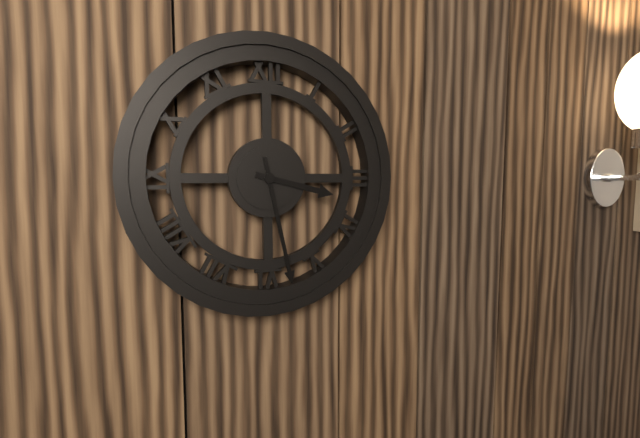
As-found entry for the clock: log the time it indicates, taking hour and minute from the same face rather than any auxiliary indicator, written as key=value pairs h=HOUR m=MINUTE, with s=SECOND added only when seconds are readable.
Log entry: h=3 m=28
